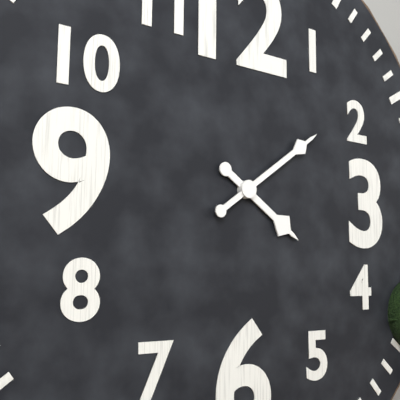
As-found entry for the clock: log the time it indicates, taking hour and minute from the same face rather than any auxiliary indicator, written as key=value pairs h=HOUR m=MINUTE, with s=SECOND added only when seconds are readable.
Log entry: h=4 m=9
